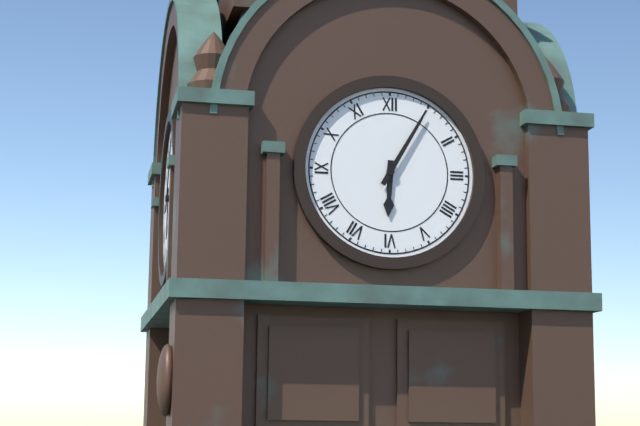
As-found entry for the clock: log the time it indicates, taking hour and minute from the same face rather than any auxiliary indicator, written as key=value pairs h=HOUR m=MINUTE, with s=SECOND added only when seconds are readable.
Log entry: h=6 m=5
